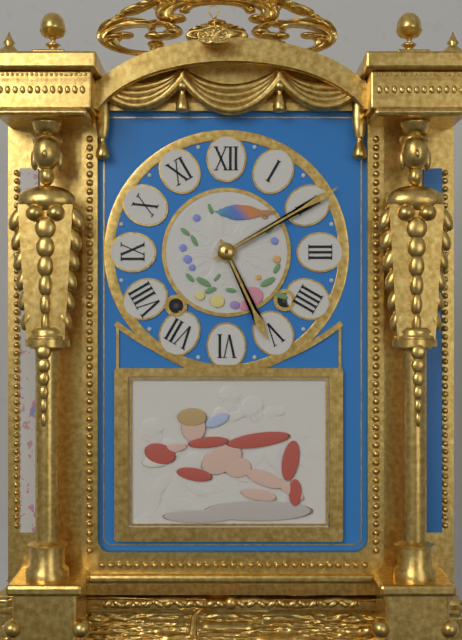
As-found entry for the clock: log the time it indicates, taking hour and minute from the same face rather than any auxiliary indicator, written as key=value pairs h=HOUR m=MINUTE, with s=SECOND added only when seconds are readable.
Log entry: h=5 m=10
